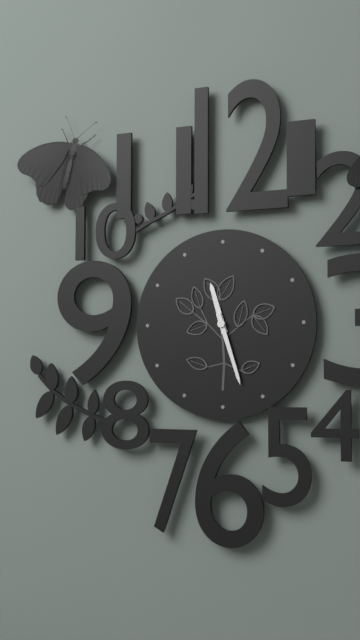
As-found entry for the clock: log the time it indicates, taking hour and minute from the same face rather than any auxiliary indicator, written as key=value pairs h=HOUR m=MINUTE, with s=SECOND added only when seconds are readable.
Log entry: h=11 m=27
